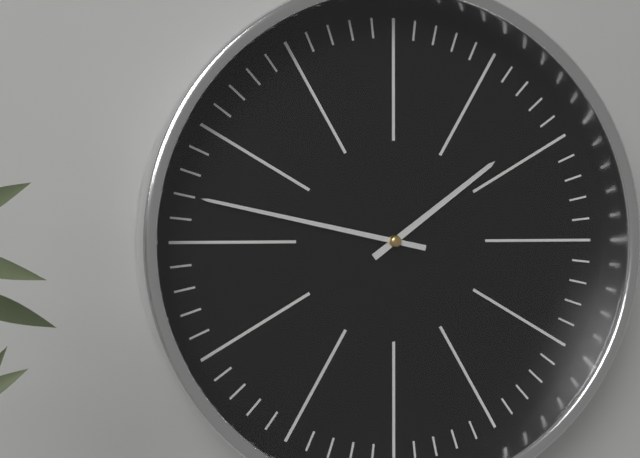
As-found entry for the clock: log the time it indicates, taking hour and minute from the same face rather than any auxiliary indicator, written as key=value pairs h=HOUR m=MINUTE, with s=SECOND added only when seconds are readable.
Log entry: h=1 m=47
